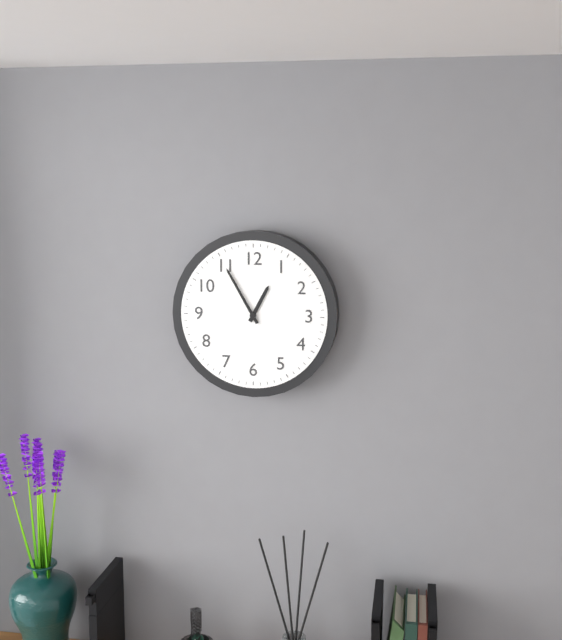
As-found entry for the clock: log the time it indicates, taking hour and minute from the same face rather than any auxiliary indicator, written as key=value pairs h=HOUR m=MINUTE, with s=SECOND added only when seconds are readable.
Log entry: h=12 m=55
